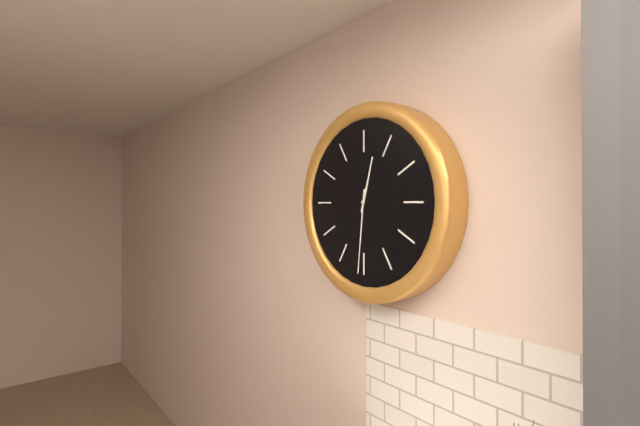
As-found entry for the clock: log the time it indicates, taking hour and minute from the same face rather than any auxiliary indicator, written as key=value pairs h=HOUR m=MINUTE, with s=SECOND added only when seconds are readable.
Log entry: h=12 m=31
